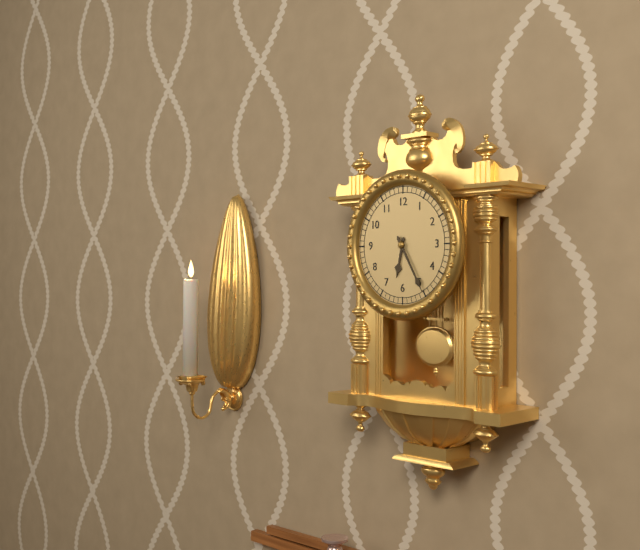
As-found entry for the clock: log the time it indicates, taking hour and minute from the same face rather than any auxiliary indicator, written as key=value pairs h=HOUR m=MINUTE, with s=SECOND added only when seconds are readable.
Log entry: h=6 m=25
